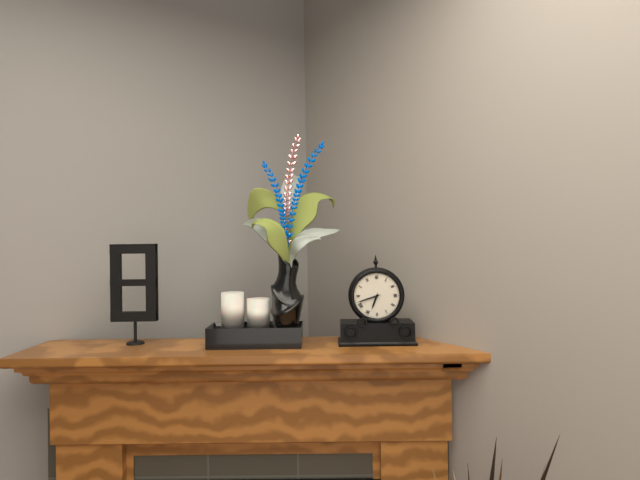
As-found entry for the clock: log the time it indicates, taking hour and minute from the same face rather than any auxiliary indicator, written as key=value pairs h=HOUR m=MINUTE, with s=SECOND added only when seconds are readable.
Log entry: h=6 m=42
